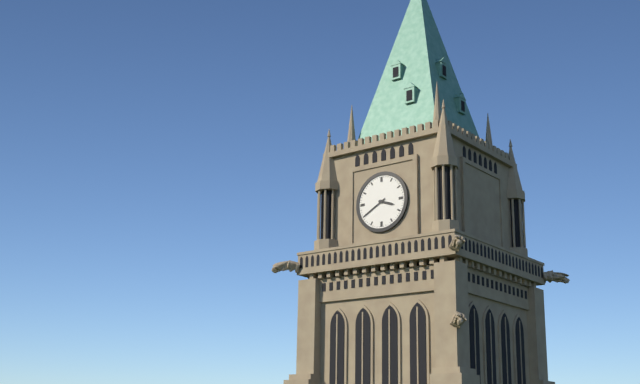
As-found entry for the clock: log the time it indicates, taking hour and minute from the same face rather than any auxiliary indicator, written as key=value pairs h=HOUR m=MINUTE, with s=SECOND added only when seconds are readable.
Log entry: h=3 m=40
